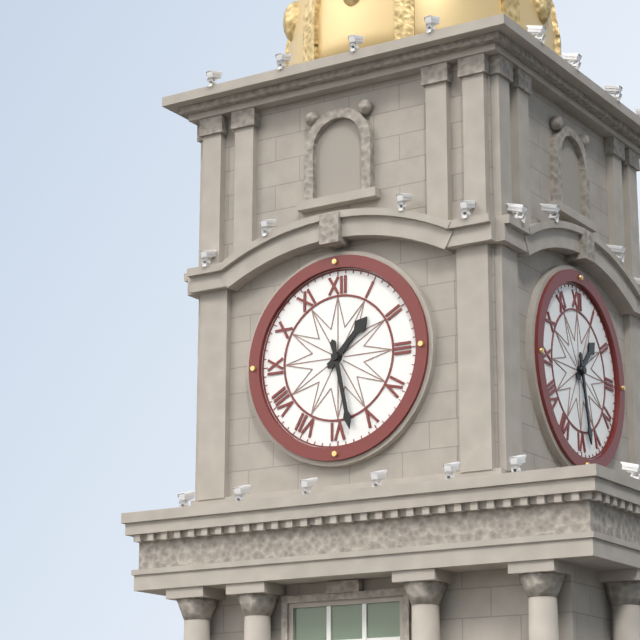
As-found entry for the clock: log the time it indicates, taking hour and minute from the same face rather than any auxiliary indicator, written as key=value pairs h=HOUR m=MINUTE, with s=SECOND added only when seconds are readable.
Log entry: h=1 m=28
